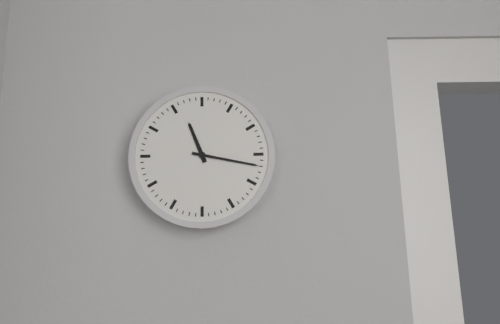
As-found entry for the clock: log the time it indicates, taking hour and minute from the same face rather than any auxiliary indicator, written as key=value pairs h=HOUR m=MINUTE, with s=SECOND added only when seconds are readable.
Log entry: h=11 m=17
